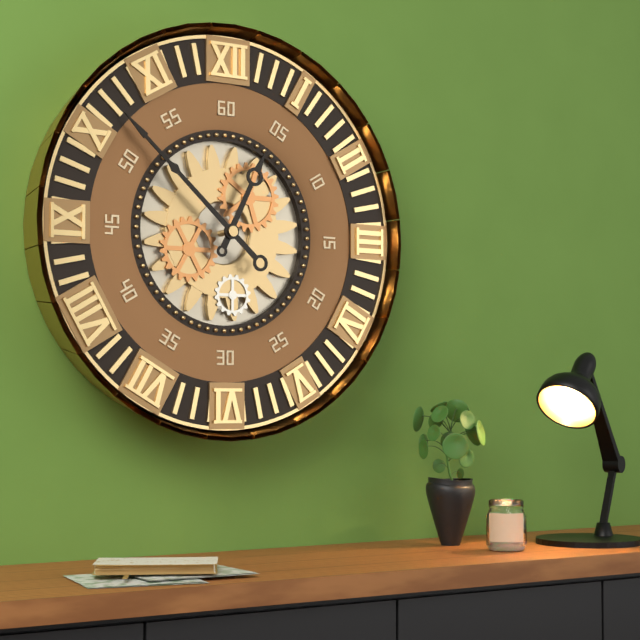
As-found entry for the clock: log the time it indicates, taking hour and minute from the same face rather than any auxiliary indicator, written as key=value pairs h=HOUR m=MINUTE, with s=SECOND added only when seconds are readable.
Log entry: h=12 m=52
